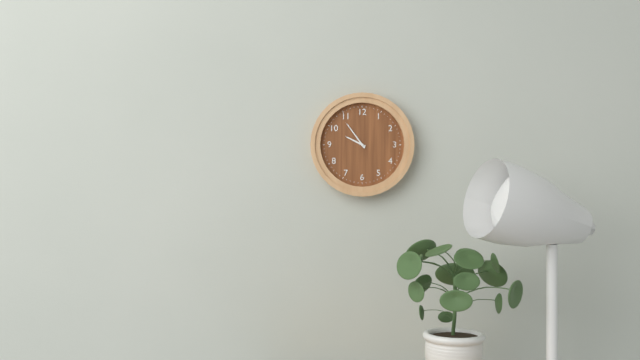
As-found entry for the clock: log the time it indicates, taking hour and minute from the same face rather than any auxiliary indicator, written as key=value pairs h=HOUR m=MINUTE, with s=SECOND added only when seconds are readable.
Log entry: h=9 m=54
